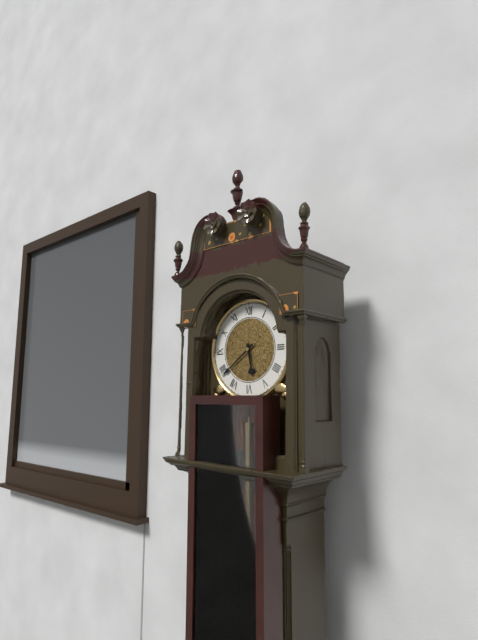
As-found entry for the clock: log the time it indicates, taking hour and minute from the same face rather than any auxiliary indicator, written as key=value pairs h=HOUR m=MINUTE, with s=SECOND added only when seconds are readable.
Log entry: h=5 m=39
